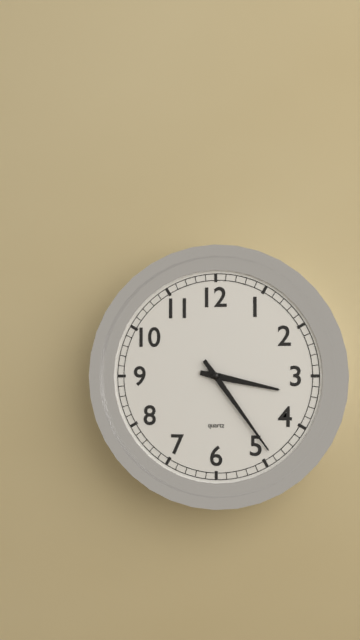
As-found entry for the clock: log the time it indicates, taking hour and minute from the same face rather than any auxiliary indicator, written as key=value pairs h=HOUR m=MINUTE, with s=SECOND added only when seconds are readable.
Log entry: h=3 m=24
